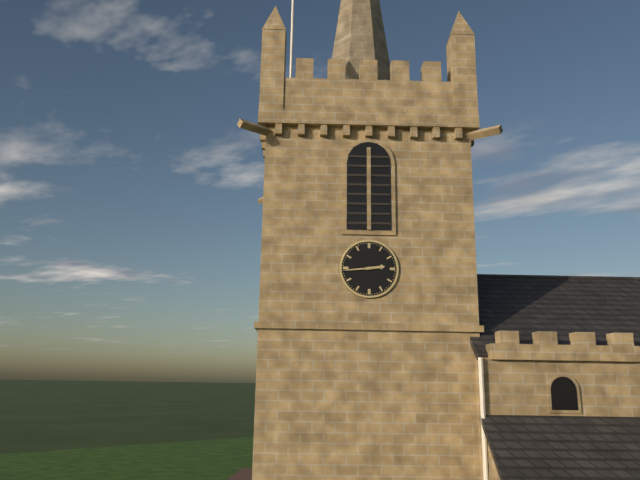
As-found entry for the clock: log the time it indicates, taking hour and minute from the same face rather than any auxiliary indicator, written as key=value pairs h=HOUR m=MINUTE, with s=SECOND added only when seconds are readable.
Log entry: h=2 m=44
